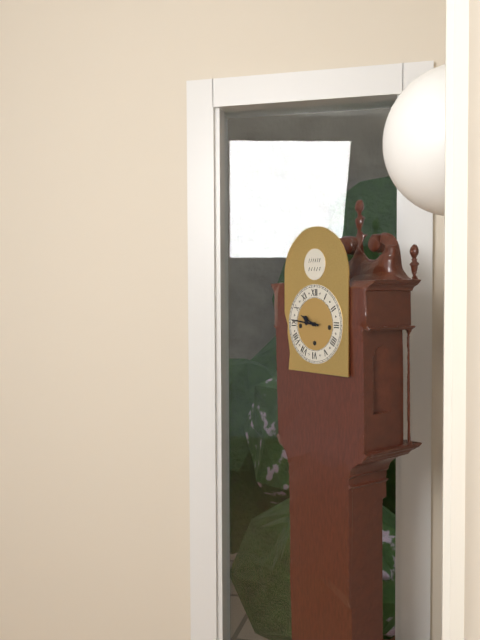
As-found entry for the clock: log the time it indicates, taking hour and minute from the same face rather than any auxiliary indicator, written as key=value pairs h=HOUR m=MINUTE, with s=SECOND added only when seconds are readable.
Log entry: h=9 m=46
